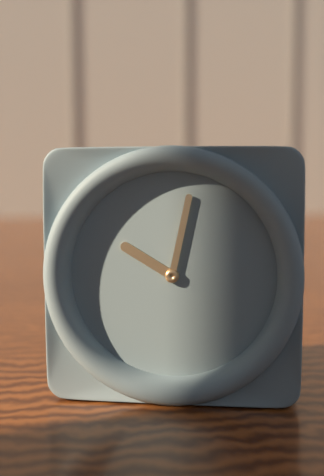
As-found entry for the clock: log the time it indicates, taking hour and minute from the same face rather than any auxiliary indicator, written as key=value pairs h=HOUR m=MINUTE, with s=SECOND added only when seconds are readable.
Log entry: h=10 m=2
